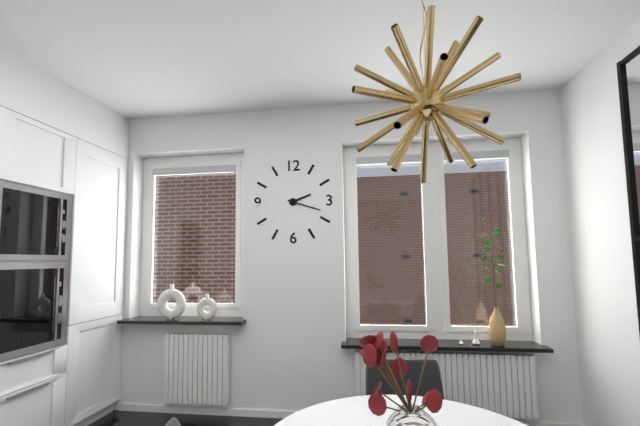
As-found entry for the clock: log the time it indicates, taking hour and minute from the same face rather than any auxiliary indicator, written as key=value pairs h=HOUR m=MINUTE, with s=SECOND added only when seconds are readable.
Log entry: h=2 m=18
